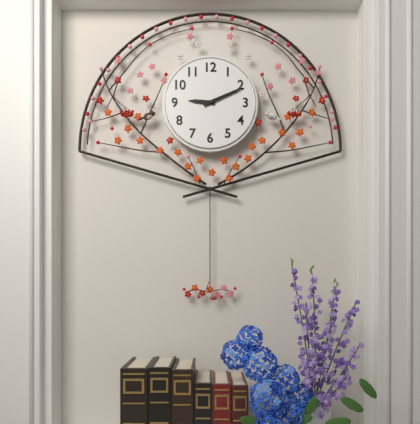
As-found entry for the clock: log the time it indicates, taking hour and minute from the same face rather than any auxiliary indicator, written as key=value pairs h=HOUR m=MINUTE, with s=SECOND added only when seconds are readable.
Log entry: h=9 m=11
